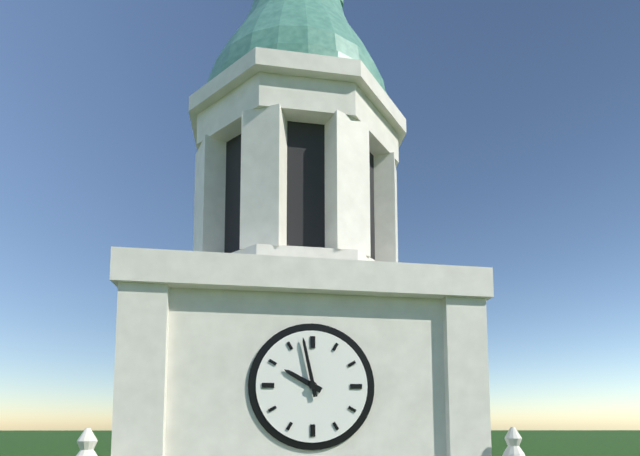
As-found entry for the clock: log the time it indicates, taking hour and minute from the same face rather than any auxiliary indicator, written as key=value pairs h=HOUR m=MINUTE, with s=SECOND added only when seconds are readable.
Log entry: h=9 m=58
